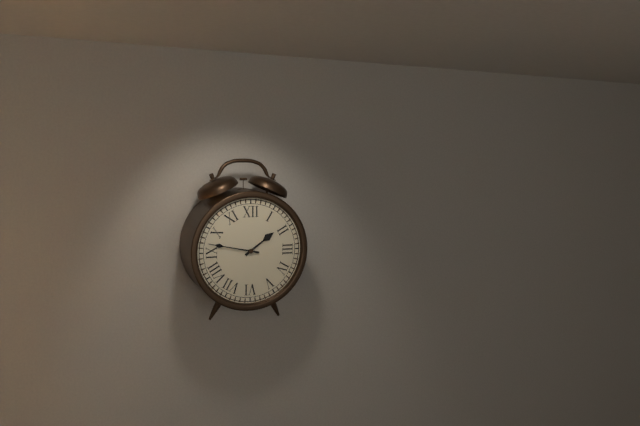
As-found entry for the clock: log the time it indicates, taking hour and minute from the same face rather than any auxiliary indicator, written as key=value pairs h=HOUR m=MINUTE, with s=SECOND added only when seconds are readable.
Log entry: h=1 m=47
